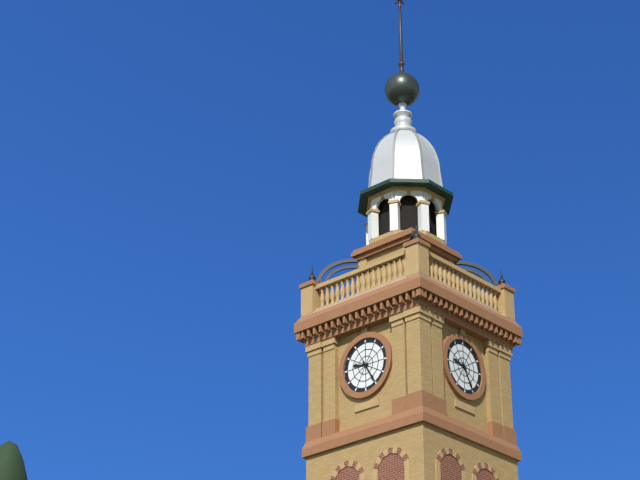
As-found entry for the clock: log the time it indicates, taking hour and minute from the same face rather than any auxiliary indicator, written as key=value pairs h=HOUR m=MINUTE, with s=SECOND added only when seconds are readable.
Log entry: h=9 m=25
